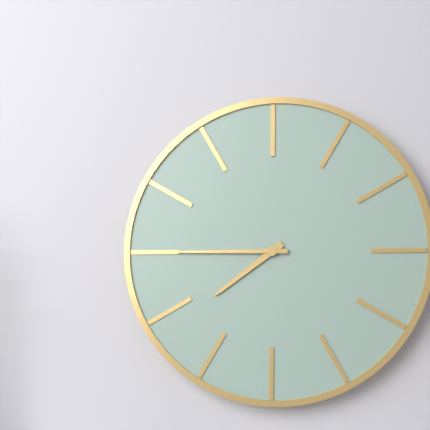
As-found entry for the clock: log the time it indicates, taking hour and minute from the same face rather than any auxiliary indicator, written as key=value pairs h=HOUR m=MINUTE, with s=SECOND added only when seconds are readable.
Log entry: h=7 m=45
